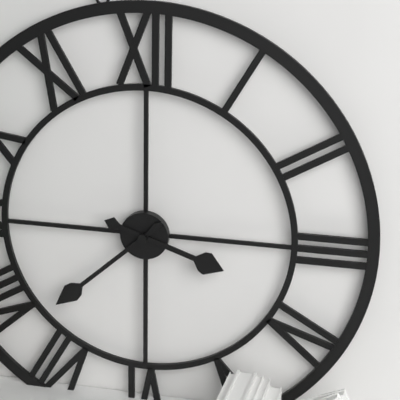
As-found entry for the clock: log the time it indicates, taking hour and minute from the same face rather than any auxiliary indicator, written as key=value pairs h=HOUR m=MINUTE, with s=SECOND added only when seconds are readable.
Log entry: h=3 m=38
